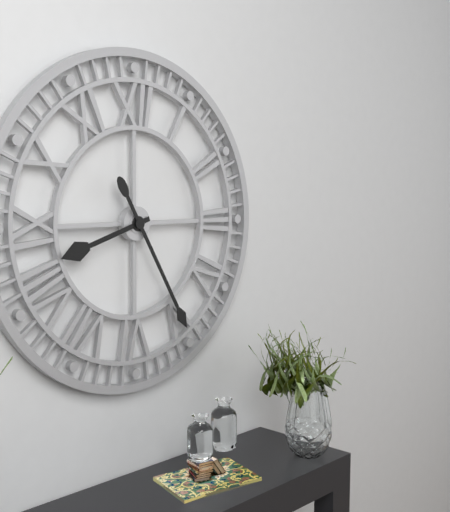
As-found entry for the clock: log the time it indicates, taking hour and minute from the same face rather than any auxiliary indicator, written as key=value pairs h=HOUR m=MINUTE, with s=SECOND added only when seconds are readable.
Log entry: h=8 m=25
